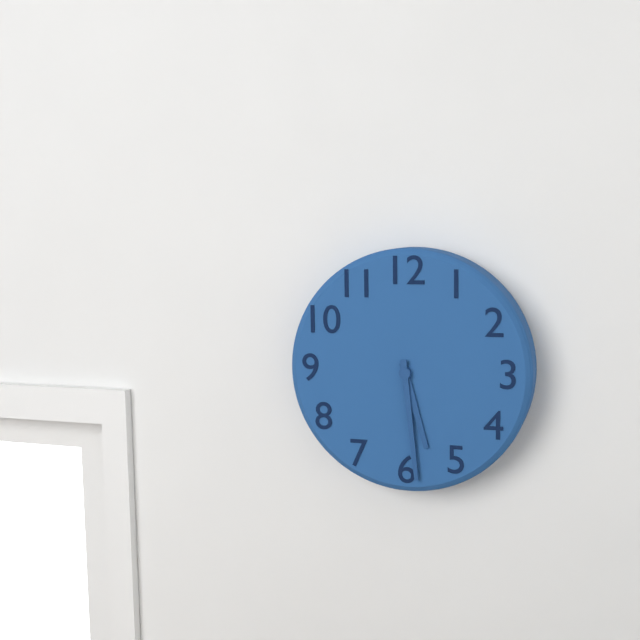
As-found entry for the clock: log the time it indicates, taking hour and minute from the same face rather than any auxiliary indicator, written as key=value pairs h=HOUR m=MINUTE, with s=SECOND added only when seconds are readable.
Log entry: h=5 m=29
